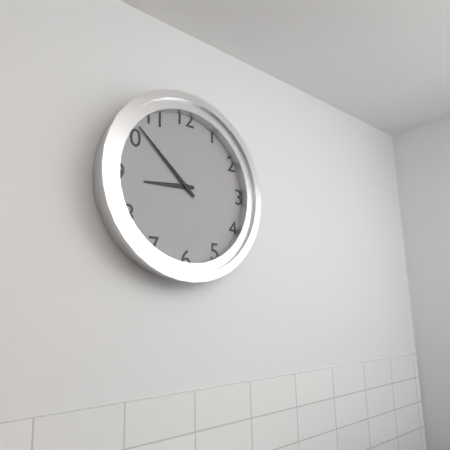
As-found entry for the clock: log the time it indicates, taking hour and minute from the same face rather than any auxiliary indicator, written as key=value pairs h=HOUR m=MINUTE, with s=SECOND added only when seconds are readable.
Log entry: h=8 m=52
